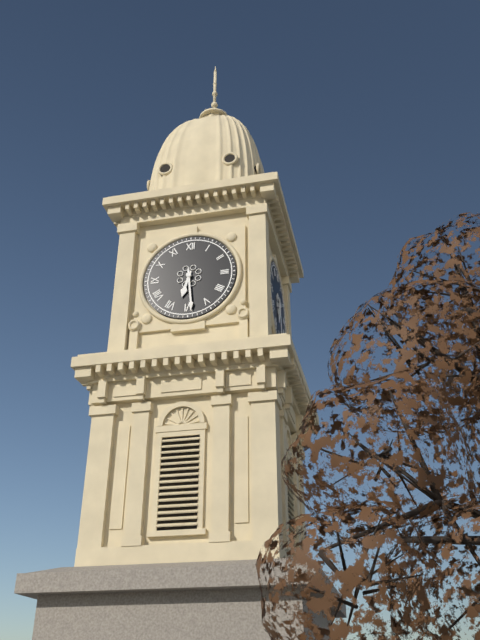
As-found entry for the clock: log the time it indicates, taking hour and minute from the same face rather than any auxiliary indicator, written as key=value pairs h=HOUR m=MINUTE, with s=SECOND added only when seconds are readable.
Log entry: h=6 m=29
